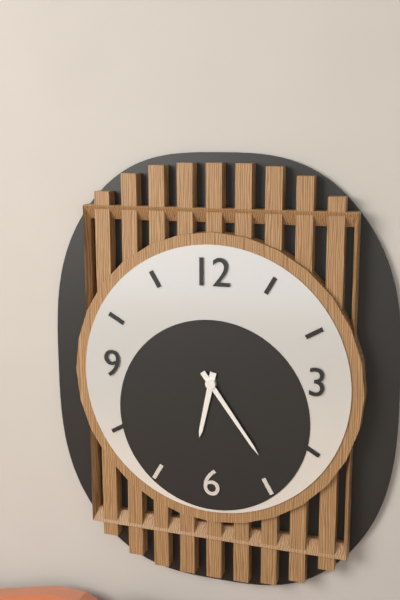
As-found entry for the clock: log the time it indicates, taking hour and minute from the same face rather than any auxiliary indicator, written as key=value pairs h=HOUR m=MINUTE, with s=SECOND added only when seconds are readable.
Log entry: h=6 m=24
